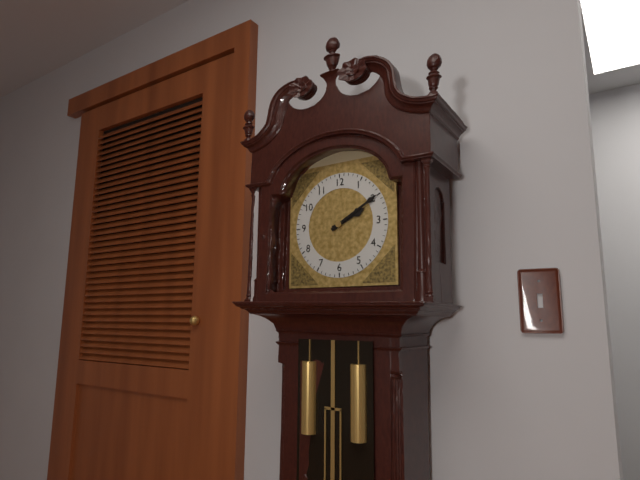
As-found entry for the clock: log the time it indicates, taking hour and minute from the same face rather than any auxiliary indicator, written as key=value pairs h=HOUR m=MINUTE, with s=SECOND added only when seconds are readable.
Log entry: h=2 m=10
